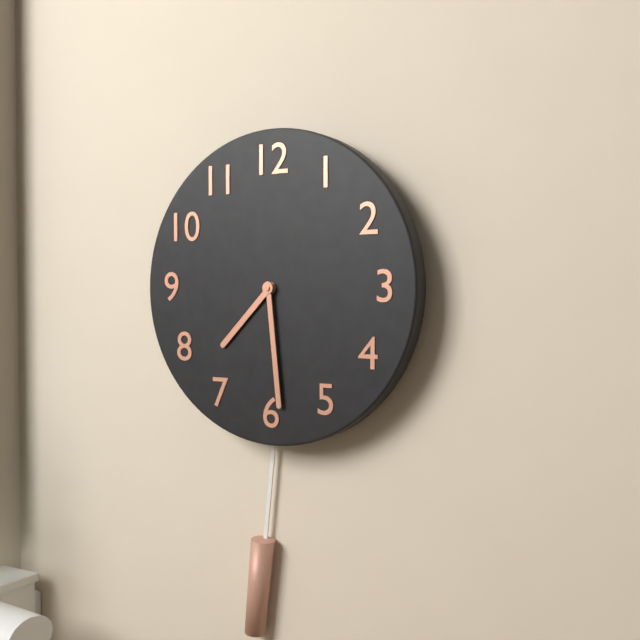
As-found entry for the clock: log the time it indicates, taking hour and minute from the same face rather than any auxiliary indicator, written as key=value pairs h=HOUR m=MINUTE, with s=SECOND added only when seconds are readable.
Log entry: h=7 m=29
